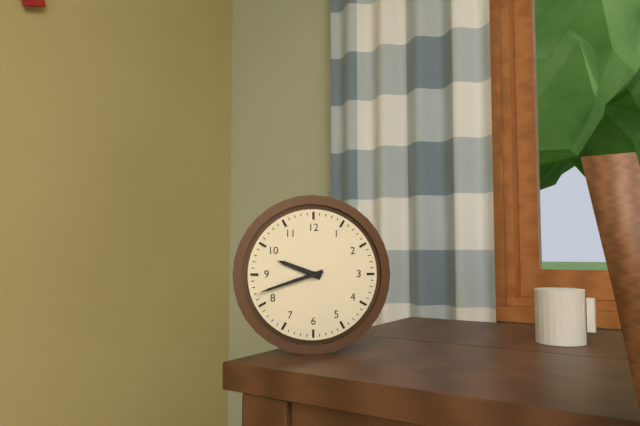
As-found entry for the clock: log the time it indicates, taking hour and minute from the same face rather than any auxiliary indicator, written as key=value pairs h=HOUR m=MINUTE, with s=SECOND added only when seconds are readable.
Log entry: h=9 m=42
